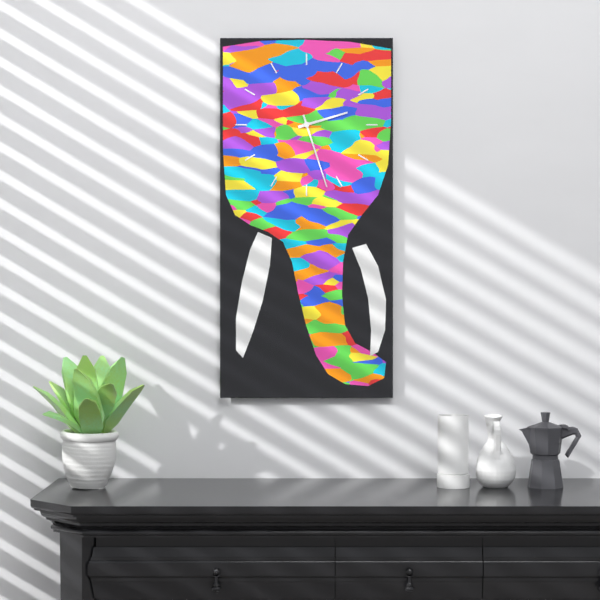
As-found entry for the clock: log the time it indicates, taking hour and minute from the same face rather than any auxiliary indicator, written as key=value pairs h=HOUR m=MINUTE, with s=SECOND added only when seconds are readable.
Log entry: h=2 m=27
